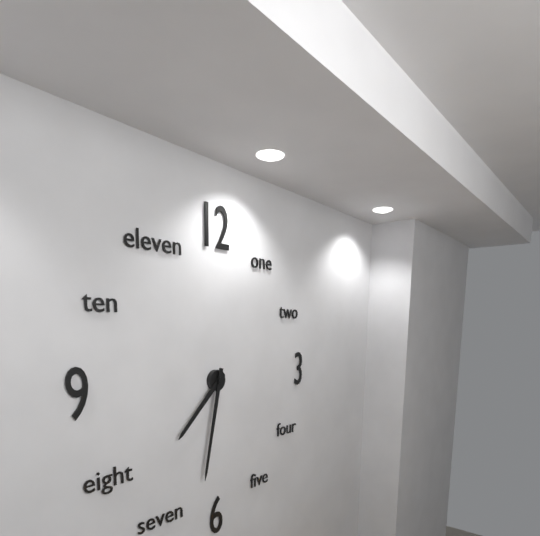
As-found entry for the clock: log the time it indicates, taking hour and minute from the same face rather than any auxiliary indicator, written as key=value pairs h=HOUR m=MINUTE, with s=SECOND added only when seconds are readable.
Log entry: h=7 m=32
